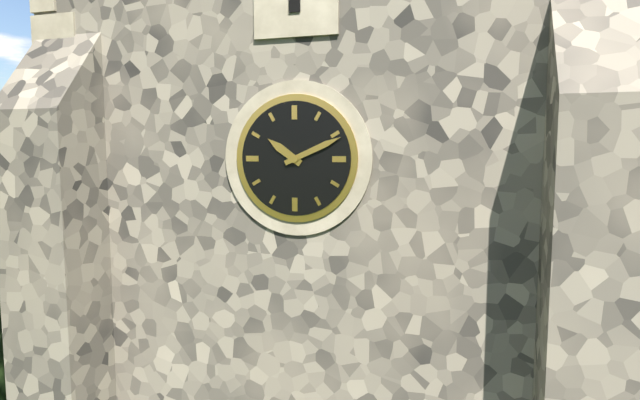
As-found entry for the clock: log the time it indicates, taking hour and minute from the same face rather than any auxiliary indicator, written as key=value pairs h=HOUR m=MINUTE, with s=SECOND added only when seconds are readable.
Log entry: h=10 m=11
